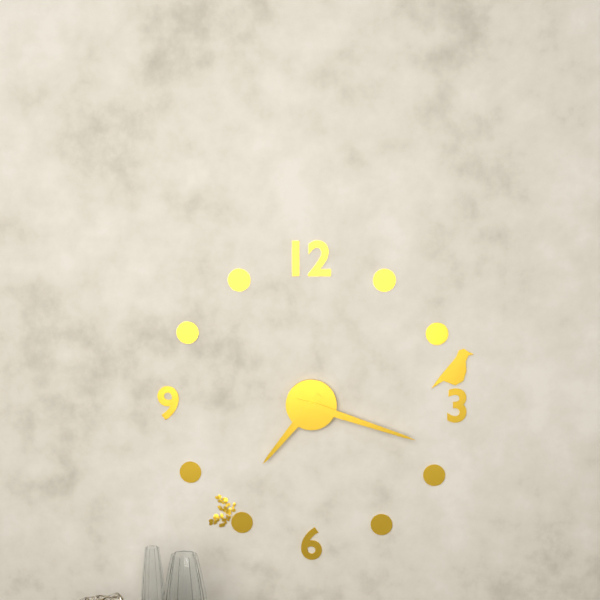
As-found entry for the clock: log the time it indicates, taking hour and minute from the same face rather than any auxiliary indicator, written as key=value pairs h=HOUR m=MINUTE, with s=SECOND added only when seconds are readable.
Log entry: h=7 m=18
